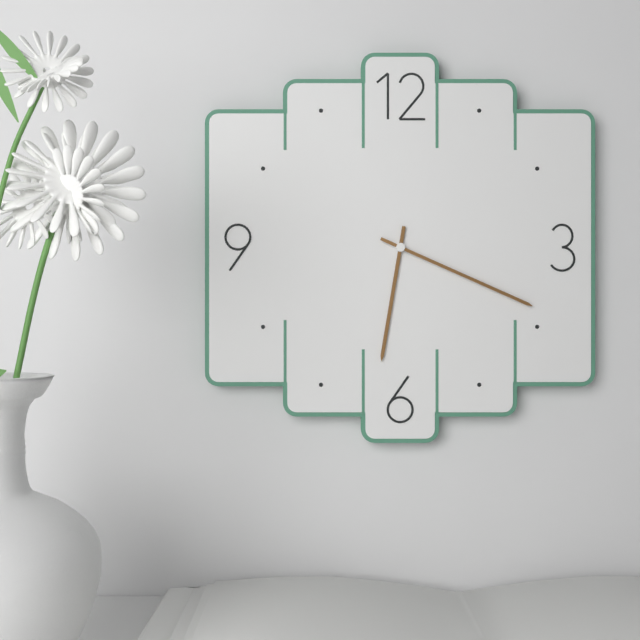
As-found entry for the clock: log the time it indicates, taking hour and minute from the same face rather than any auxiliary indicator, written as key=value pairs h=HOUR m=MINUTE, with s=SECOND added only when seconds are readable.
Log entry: h=6 m=19
